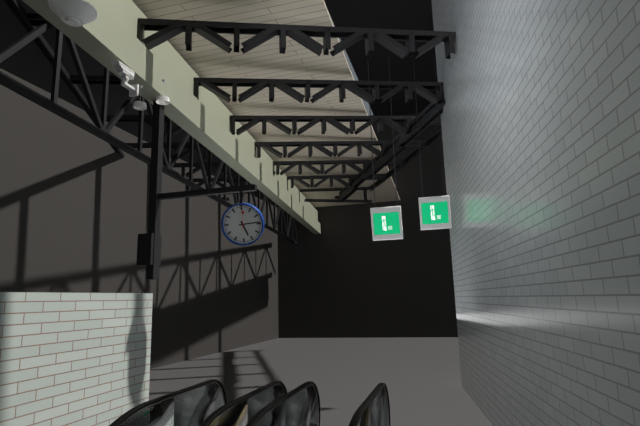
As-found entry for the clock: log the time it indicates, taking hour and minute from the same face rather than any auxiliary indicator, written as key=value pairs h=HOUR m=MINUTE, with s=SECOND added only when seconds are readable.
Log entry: h=5 m=14
